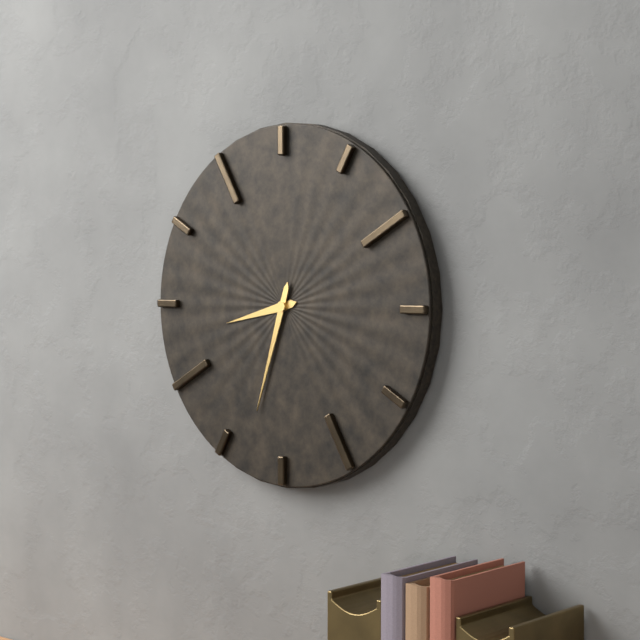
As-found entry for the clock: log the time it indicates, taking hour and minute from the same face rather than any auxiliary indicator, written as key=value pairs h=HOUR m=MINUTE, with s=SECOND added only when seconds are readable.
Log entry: h=8 m=33
